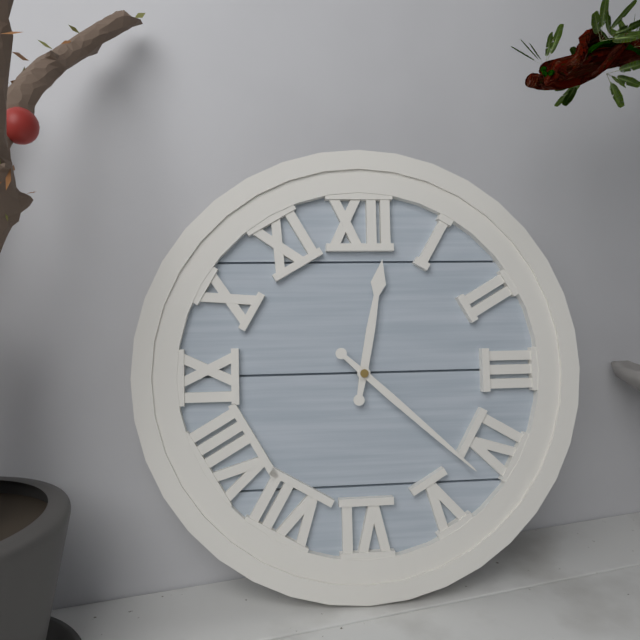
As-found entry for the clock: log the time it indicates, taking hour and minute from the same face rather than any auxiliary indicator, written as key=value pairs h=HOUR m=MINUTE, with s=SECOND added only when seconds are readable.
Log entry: h=12 m=22
